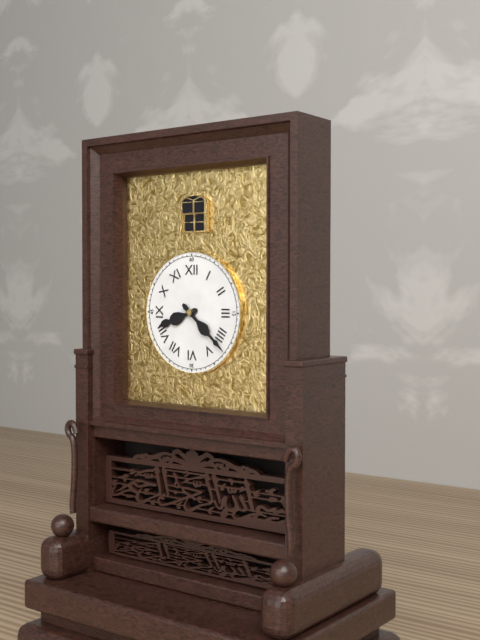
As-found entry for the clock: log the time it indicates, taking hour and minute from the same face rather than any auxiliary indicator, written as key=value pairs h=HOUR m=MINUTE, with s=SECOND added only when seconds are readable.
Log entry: h=8 m=22
